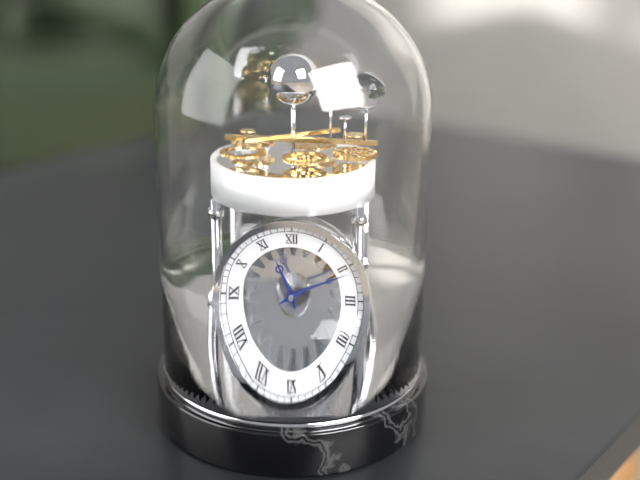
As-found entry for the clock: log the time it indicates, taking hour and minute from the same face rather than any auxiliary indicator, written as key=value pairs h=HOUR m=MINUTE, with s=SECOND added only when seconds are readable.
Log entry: h=11 m=11
